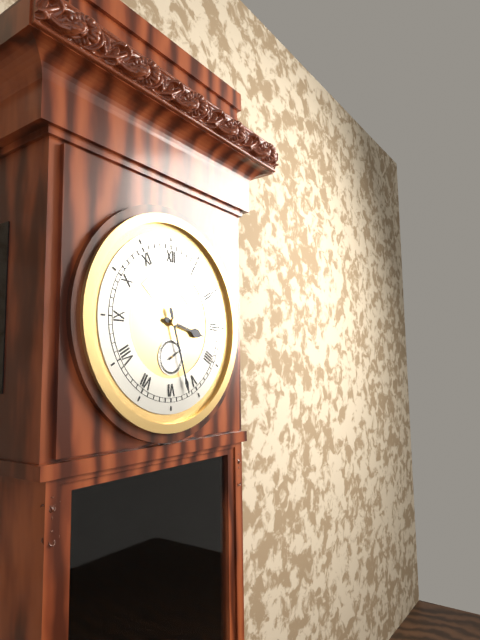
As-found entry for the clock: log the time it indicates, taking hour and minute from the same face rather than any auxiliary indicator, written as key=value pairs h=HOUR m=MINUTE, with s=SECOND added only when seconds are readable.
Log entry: h=3 m=27
